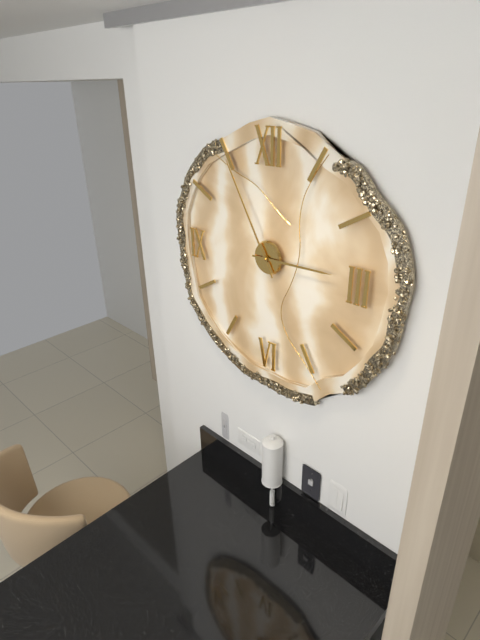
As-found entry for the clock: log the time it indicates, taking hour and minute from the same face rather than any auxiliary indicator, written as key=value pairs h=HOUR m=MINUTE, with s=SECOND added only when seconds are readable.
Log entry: h=2 m=55
